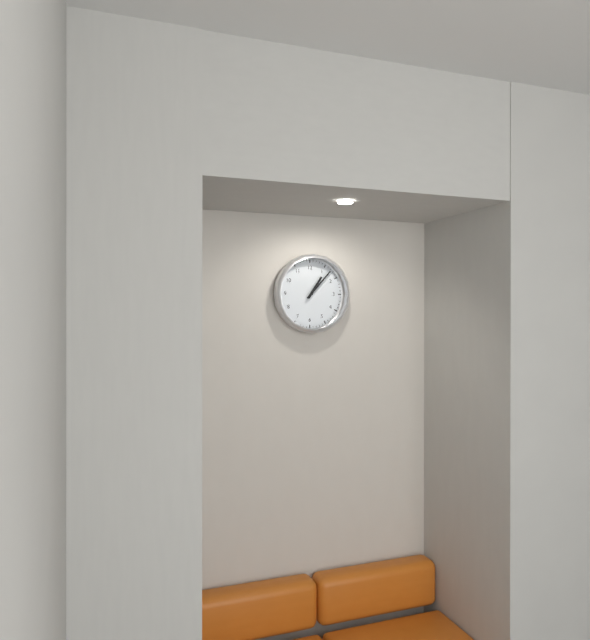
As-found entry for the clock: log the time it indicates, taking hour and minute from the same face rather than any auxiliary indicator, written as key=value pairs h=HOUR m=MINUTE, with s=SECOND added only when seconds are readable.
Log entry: h=1 m=7
